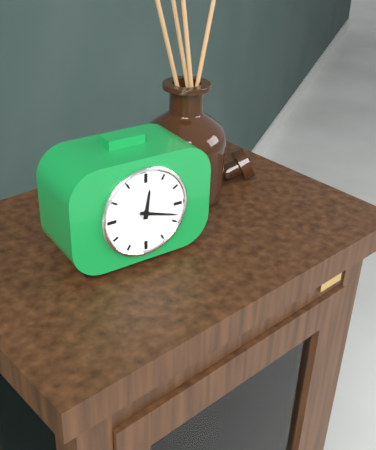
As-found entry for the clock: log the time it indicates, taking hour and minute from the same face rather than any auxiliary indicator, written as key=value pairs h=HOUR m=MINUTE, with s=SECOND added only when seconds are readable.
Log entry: h=12 m=18
